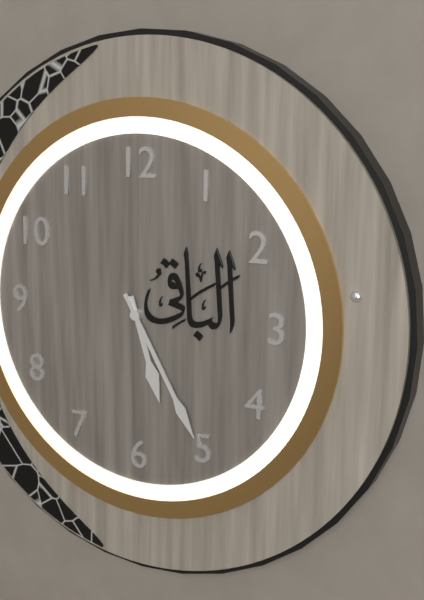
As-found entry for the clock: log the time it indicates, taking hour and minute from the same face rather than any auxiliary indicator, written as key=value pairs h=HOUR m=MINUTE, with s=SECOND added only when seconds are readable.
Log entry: h=5 m=25
